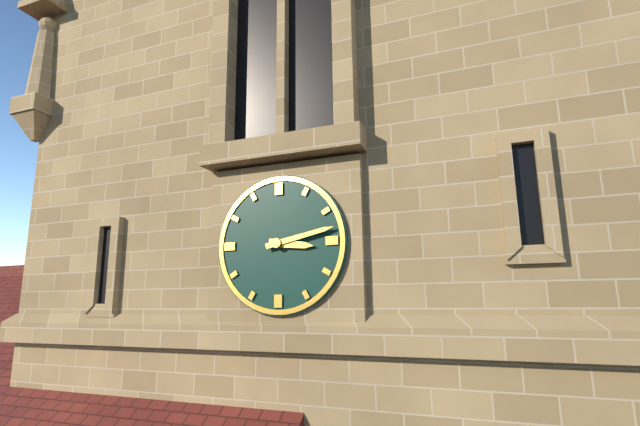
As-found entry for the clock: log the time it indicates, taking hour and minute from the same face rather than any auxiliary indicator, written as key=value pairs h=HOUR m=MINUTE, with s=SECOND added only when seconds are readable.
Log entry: h=3 m=13
